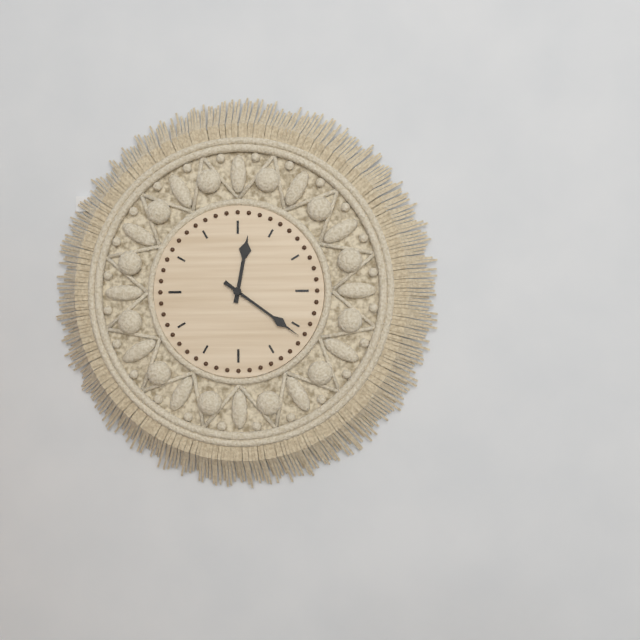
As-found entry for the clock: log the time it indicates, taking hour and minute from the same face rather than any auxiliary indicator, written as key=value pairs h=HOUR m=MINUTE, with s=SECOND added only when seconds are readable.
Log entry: h=12 m=21
